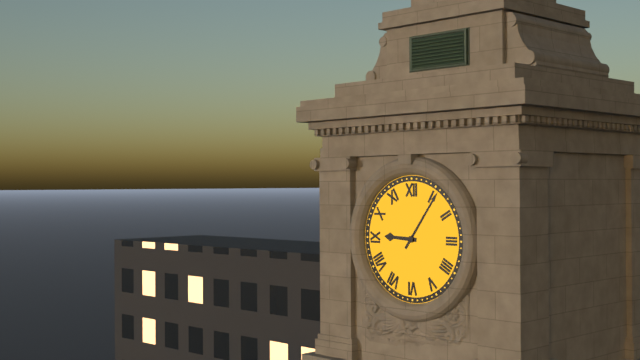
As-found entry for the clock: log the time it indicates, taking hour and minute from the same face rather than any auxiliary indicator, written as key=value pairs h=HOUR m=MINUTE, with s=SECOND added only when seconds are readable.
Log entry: h=9 m=6
